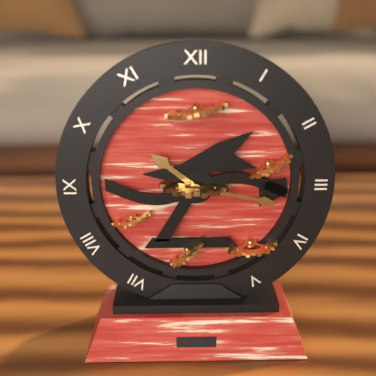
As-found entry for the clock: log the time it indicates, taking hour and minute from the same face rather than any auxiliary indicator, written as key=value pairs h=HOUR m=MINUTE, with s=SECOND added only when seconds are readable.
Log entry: h=10 m=17
